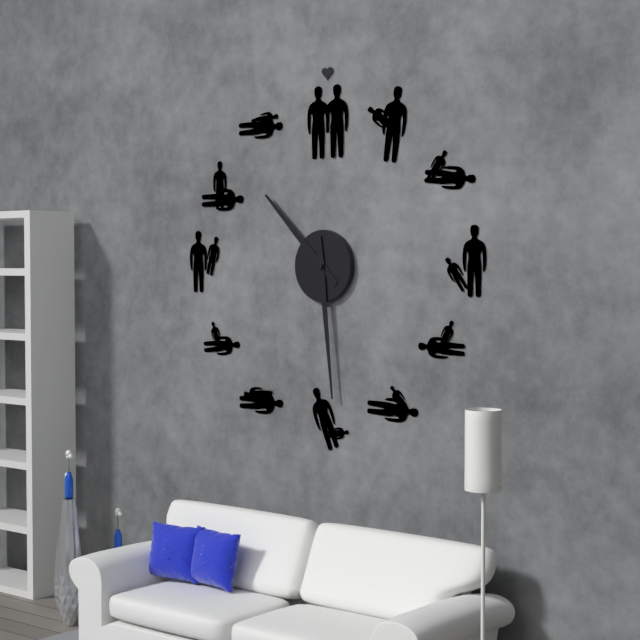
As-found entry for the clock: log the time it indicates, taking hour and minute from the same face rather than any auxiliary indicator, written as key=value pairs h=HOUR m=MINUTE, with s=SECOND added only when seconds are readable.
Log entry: h=10 m=29
